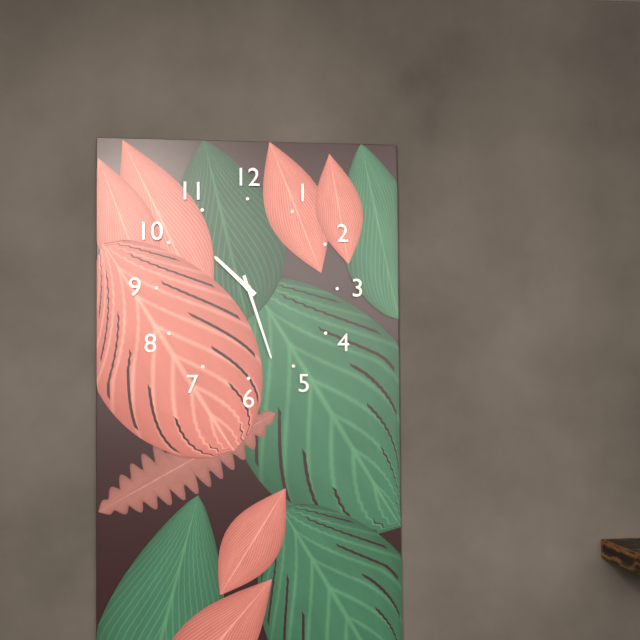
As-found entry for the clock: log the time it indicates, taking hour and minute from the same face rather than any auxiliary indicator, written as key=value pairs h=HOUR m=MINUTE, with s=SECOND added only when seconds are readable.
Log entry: h=10 m=27
